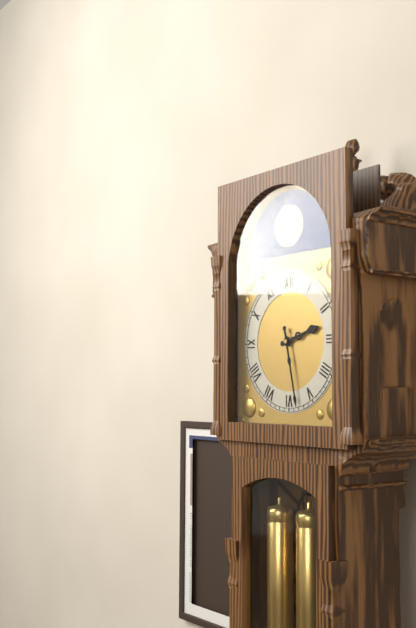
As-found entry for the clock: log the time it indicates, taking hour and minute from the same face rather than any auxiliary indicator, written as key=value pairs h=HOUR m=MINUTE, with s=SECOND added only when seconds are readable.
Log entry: h=2 m=28
